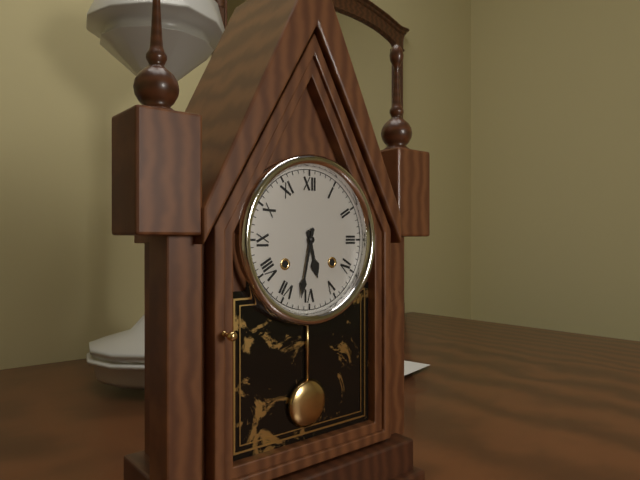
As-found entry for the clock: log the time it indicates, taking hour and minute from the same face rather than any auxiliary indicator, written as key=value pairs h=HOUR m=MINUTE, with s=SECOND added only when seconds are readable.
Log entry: h=5 m=32
